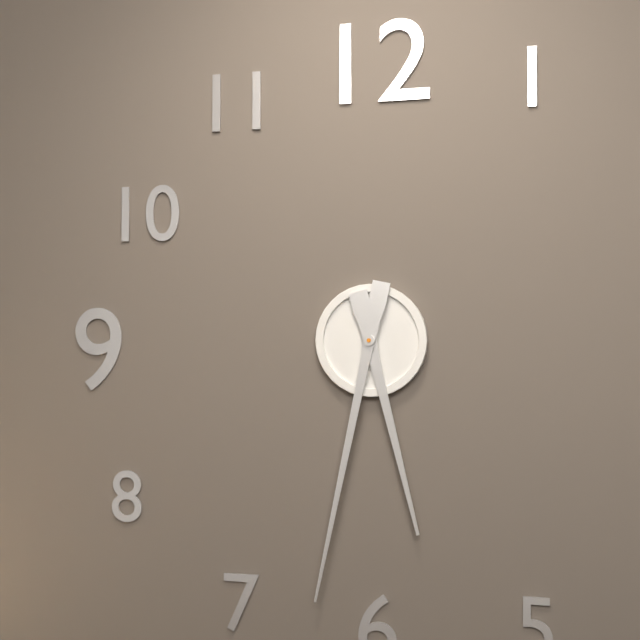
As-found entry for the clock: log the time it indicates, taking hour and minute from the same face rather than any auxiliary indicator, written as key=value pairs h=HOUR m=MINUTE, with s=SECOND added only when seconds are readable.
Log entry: h=5 m=32
